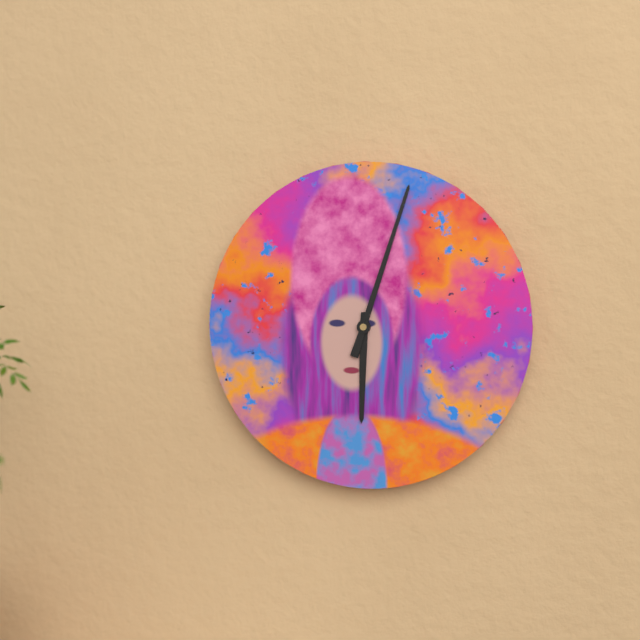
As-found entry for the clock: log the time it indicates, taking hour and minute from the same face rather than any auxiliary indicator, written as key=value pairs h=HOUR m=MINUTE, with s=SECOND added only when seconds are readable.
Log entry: h=6 m=3
